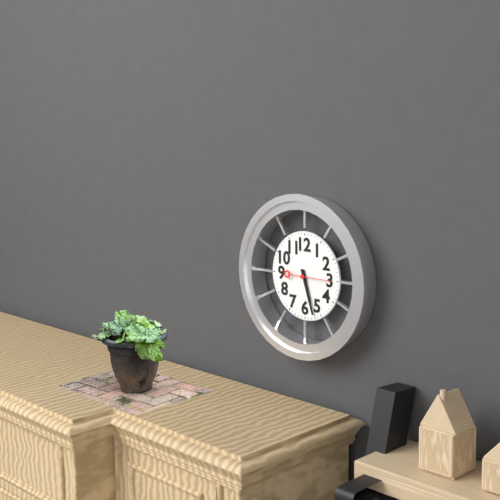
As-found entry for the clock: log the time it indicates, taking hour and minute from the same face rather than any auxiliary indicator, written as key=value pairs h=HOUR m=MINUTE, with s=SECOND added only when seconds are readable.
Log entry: h=5 m=27
